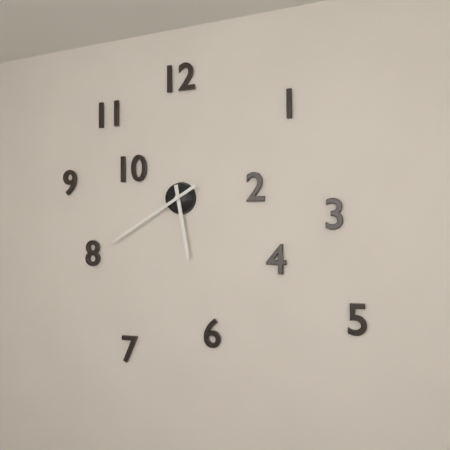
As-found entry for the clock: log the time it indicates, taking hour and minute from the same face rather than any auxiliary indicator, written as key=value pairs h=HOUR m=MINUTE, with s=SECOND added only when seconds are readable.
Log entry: h=5 m=40
